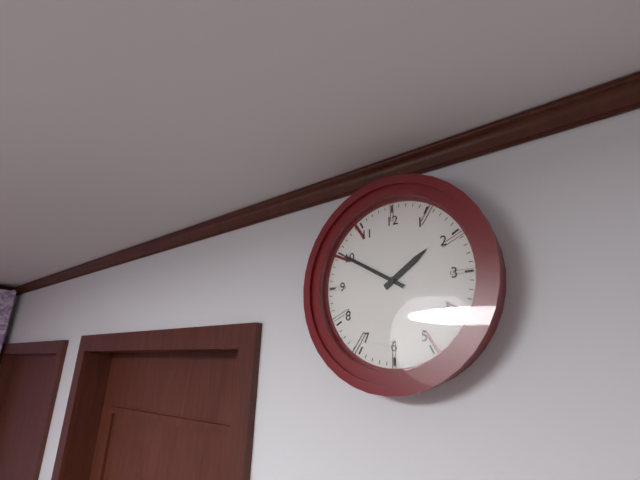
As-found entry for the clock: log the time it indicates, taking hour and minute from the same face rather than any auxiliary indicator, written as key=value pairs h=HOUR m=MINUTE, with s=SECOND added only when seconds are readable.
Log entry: h=1 m=50
